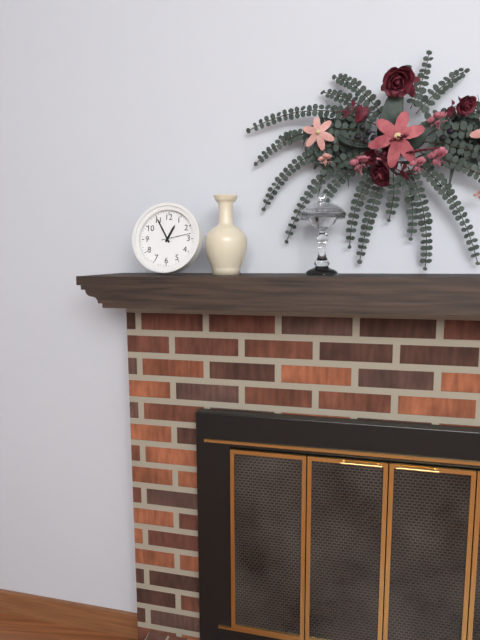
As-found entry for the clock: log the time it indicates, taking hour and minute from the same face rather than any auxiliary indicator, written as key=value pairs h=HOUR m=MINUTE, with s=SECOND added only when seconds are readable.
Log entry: h=12 m=55
